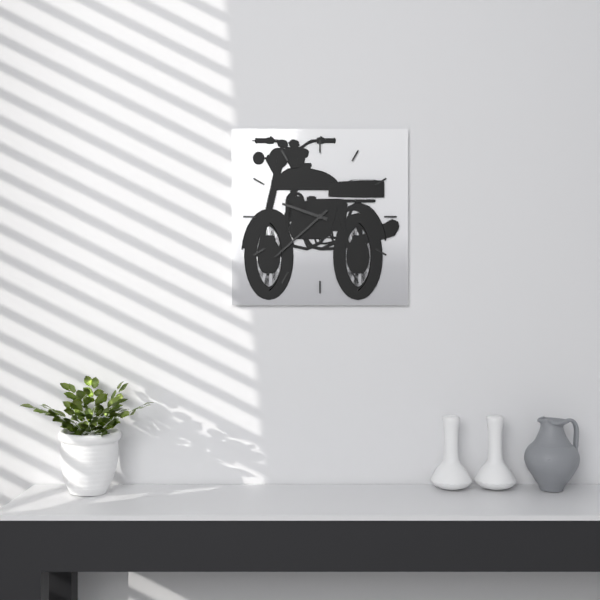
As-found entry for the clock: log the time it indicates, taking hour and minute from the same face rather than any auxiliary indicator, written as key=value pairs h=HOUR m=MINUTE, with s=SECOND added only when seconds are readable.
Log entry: h=9 m=38
